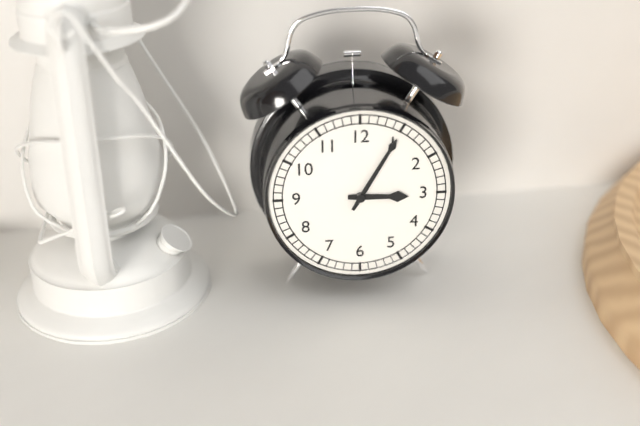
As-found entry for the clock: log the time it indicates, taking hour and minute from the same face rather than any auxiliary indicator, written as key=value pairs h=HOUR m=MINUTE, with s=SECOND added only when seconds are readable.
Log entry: h=3 m=5
